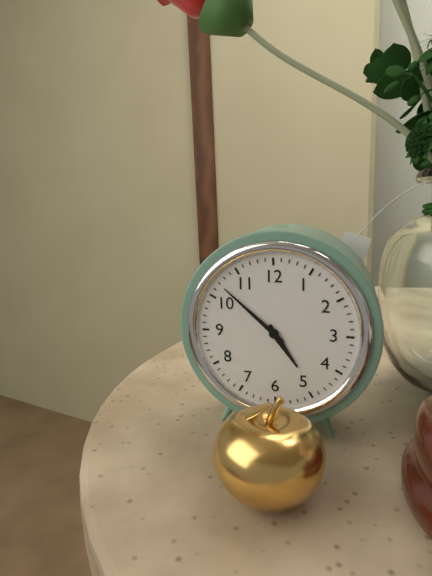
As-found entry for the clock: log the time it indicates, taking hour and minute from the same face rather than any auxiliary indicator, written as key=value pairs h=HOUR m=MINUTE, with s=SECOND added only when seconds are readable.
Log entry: h=4 m=52
